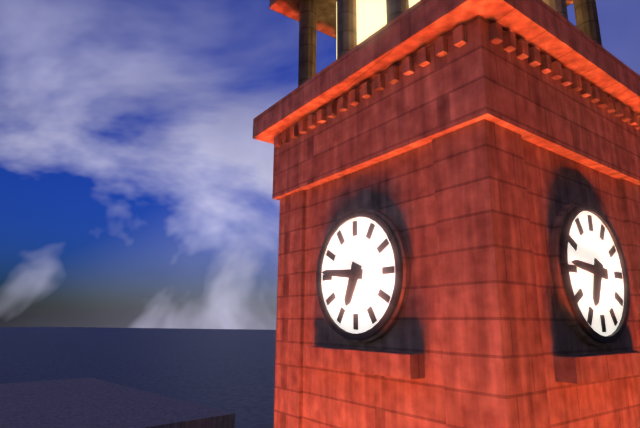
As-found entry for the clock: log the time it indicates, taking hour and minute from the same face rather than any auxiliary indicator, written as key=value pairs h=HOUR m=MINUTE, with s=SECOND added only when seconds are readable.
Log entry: h=6 m=46
